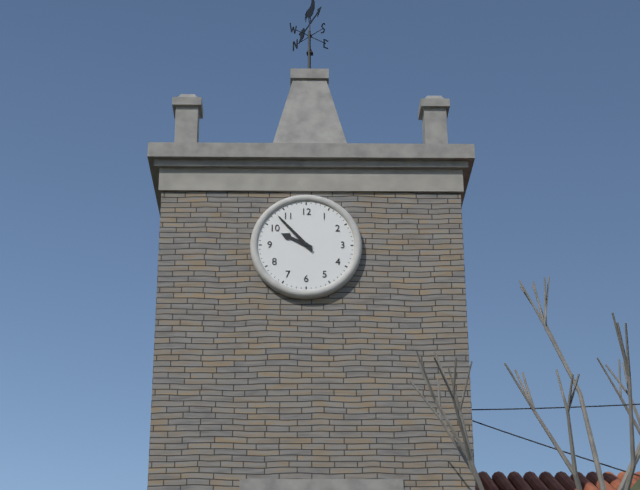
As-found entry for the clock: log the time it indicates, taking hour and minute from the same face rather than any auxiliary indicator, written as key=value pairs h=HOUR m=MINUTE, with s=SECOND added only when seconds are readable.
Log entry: h=9 m=53
